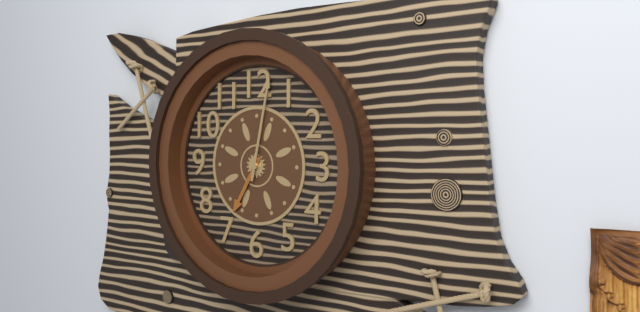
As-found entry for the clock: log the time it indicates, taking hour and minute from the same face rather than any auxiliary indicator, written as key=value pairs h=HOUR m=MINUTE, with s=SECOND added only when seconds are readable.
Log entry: h=7 m=2
